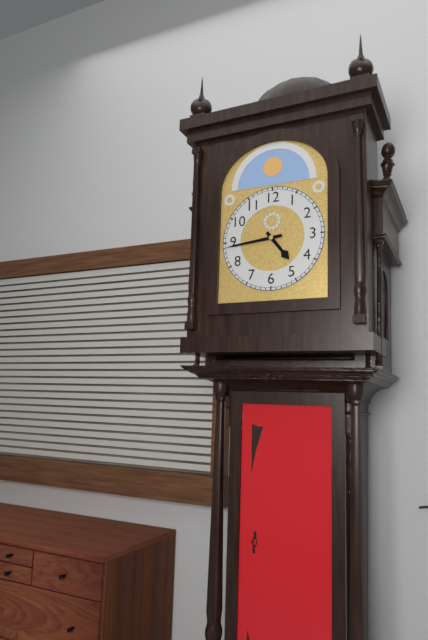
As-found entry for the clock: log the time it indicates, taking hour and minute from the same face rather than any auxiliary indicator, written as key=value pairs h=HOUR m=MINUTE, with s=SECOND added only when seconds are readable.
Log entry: h=4 m=44
